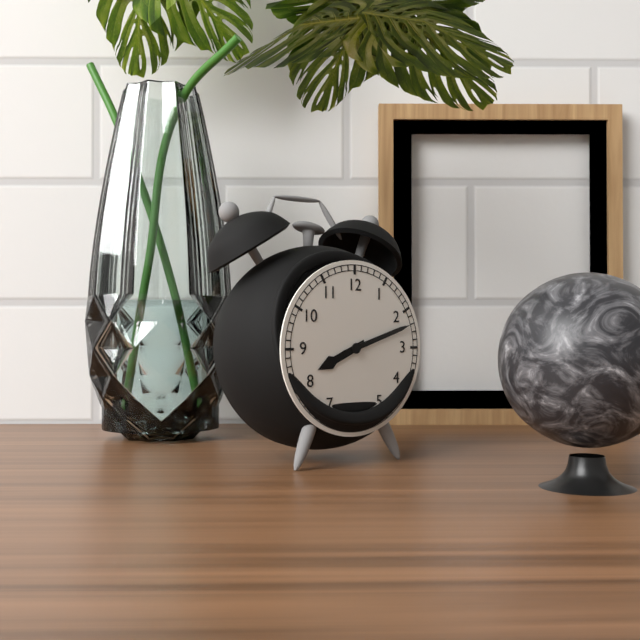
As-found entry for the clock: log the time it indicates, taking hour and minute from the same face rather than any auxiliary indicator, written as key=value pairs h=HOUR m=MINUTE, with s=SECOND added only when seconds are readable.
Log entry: h=8 m=12
